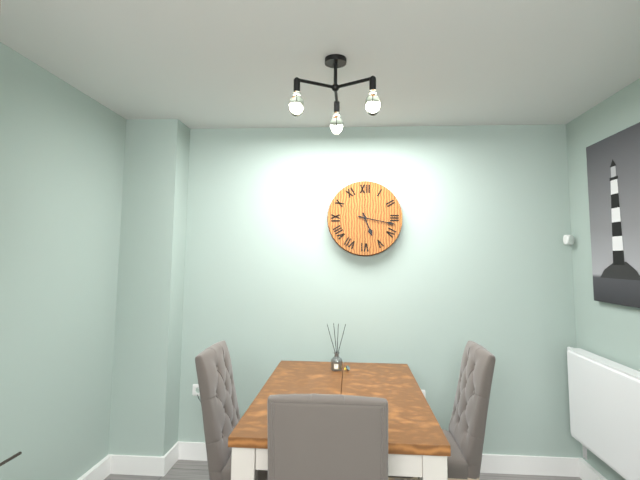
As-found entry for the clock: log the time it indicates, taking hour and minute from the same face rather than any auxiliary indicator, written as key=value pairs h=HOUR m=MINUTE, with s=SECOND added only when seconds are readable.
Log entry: h=5 m=17
